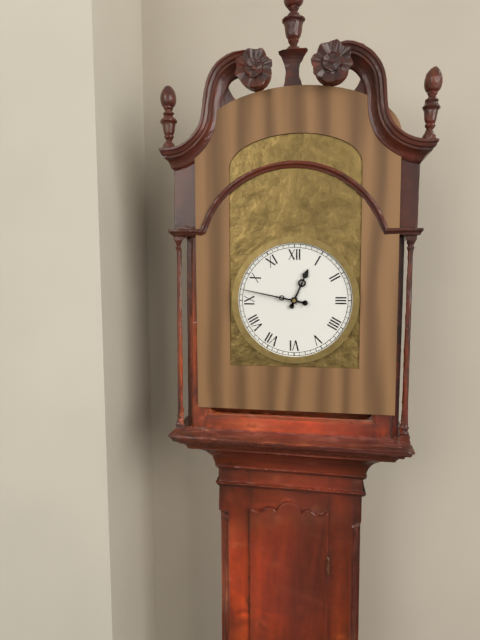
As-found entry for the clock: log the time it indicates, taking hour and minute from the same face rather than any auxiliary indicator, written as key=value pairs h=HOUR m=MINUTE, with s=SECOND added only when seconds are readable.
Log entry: h=12 m=47
